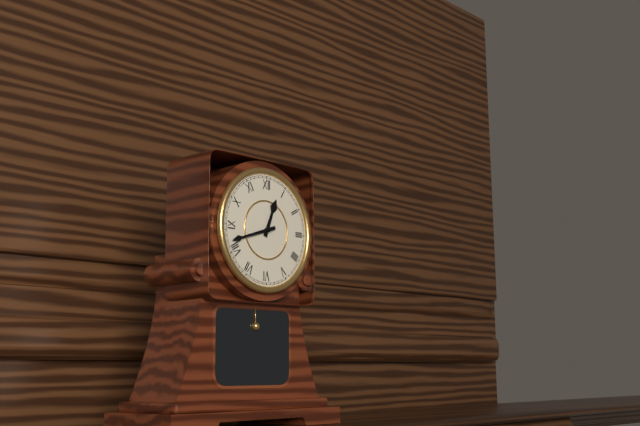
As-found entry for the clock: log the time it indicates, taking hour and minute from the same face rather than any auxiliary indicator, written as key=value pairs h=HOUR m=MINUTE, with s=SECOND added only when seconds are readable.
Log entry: h=12 m=42
